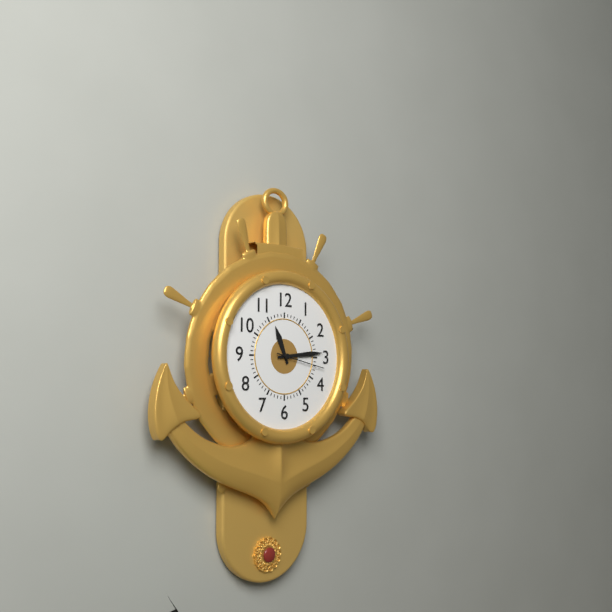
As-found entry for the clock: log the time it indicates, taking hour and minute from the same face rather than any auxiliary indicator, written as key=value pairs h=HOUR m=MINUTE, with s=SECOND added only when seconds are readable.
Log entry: h=11 m=14
